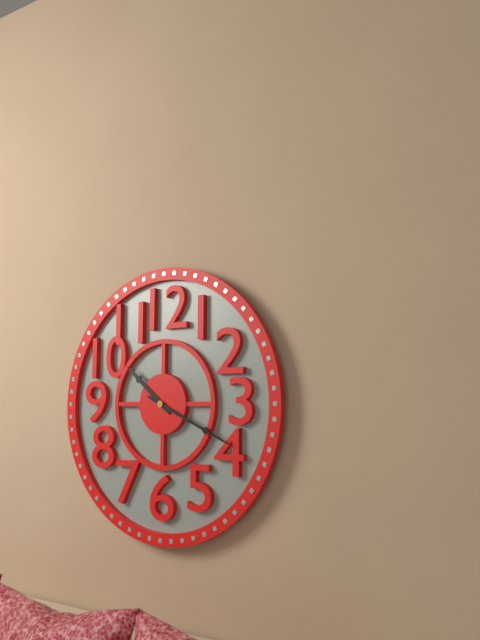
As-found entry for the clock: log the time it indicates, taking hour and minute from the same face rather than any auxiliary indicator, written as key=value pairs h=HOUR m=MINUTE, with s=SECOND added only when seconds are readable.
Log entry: h=10 m=19
